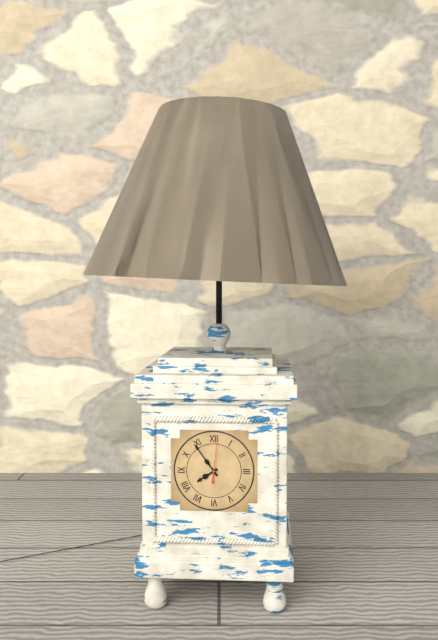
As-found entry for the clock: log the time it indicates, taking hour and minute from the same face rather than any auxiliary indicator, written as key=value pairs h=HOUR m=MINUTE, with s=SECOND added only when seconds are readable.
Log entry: h=7 m=54
